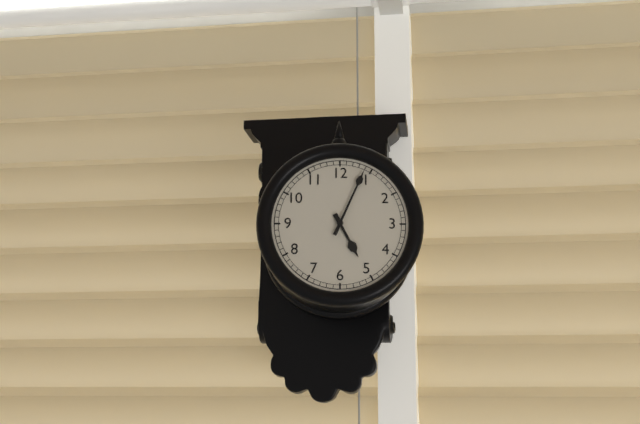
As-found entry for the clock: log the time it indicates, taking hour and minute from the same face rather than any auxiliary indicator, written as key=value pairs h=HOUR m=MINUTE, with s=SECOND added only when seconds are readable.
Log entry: h=5 m=4
